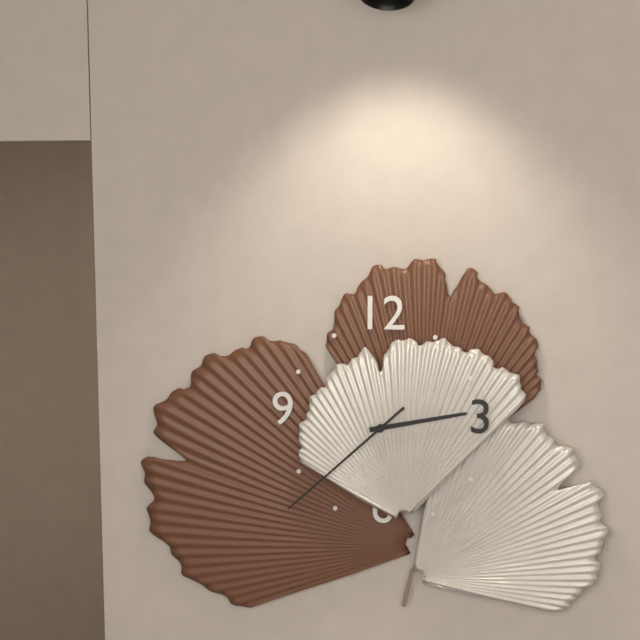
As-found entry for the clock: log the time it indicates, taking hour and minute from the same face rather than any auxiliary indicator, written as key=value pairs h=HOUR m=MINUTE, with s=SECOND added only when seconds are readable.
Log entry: h=2 m=38
